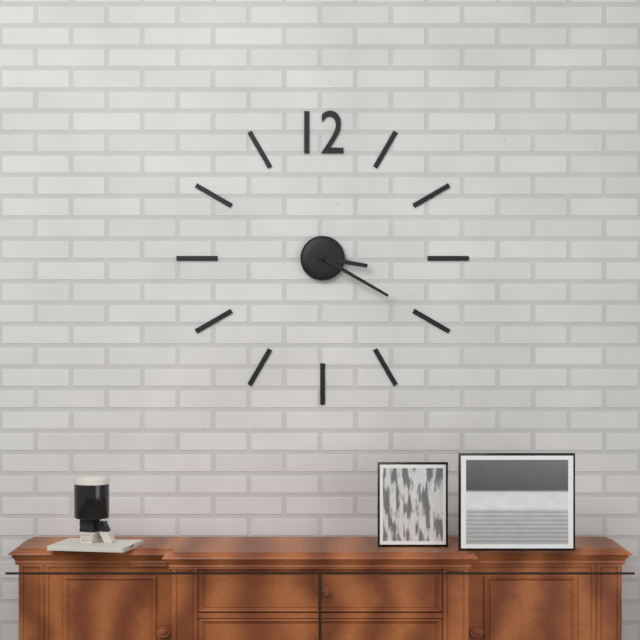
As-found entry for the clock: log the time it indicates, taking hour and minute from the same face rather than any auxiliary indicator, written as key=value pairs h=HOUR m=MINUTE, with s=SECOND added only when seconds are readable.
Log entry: h=3 m=20
